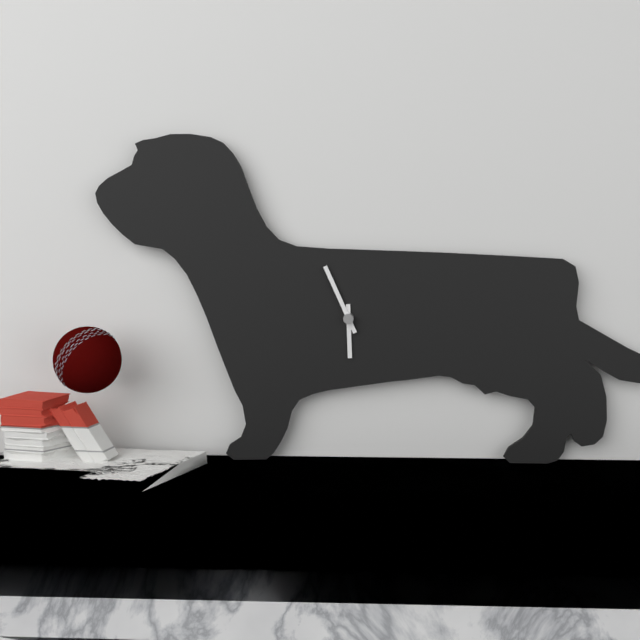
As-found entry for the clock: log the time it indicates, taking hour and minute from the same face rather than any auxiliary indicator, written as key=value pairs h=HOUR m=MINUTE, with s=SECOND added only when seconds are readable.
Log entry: h=5 m=56
